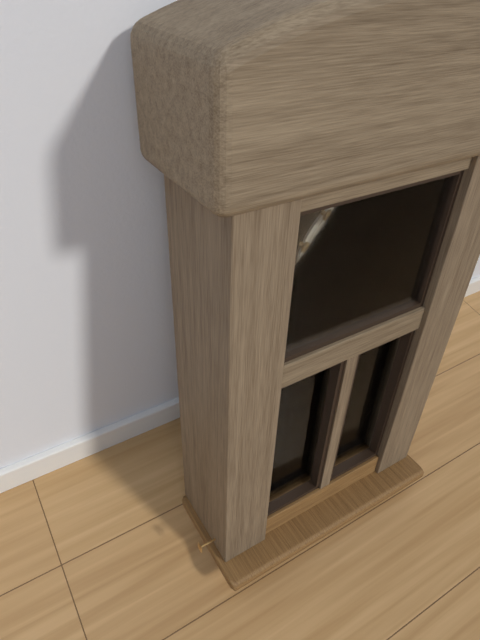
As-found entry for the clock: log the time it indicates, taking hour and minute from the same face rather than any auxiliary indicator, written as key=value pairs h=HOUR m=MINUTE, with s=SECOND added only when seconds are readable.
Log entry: h=4 m=41
